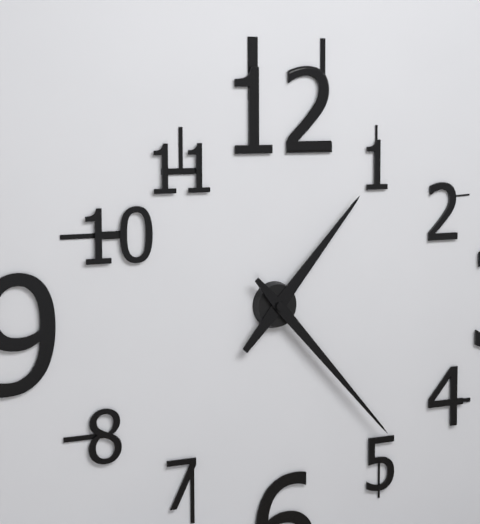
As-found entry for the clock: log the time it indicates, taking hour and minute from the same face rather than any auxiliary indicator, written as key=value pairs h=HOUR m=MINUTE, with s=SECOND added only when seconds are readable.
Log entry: h=1 m=23
